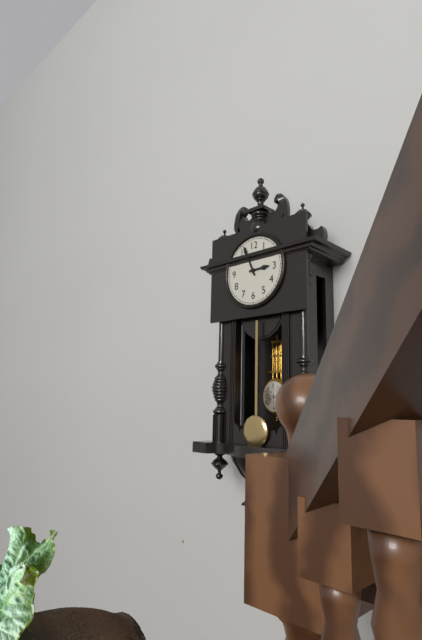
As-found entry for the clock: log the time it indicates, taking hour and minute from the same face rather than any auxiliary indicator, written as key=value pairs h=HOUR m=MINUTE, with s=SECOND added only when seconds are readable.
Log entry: h=2 m=56
